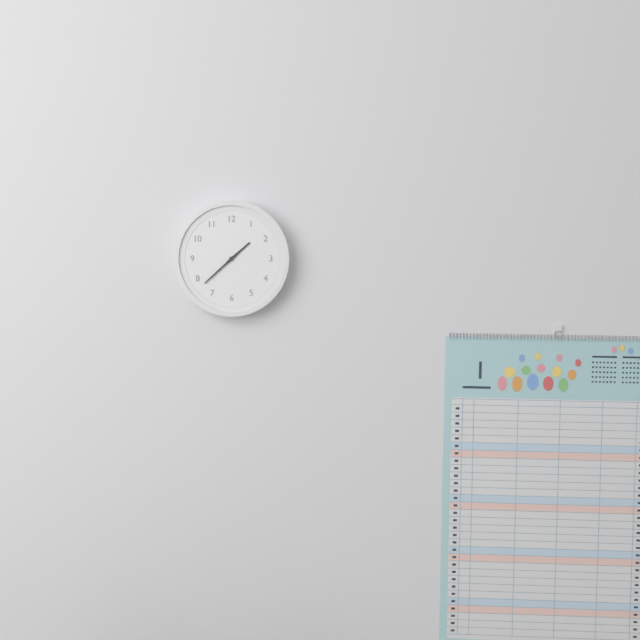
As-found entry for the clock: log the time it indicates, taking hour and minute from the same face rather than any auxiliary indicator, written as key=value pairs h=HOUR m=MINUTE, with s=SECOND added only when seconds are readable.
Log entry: h=1 m=38
